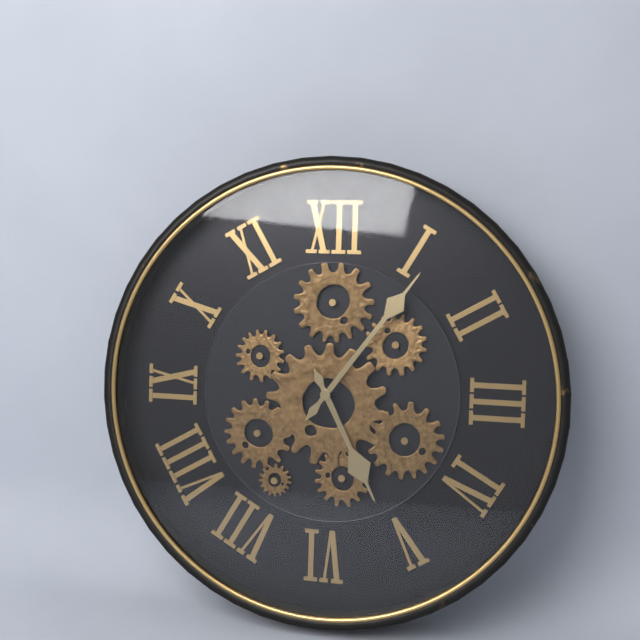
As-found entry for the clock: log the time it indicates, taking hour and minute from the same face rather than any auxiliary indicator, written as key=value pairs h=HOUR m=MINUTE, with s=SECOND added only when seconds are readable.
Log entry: h=5 m=6
